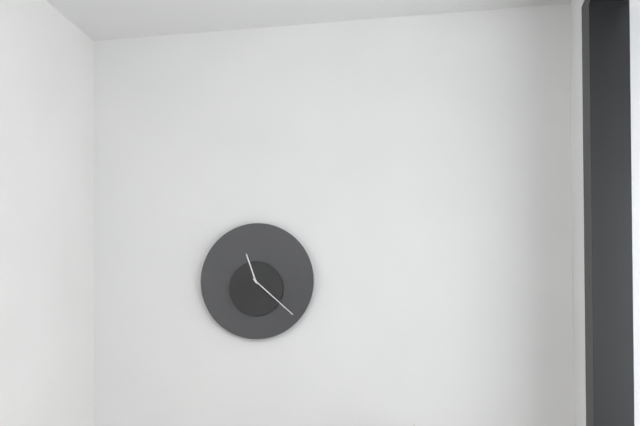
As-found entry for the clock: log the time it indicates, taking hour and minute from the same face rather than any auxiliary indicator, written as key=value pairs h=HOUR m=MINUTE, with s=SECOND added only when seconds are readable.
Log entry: h=11 m=22
